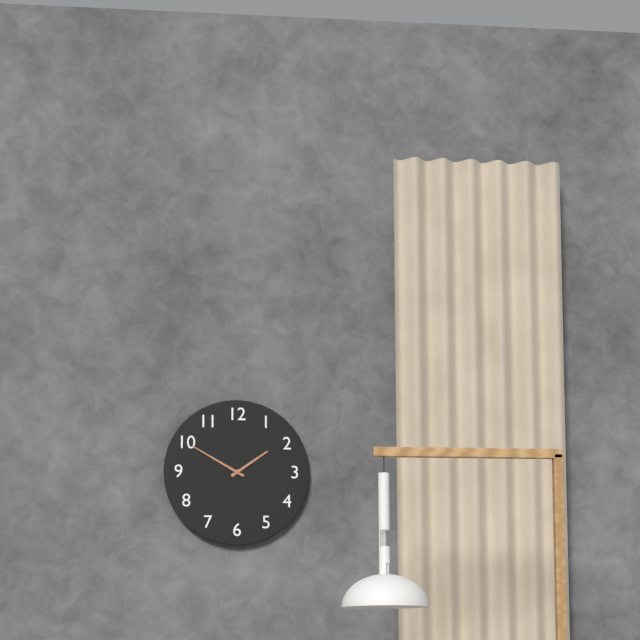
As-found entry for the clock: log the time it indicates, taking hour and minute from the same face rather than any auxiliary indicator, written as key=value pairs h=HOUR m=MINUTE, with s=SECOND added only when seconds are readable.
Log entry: h=1 m=50
